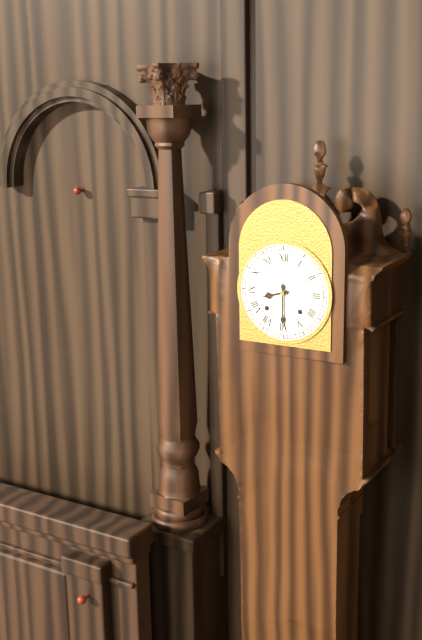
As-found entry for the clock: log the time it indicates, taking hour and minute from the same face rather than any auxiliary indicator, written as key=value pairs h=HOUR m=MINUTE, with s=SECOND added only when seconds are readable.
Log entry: h=8 m=30
